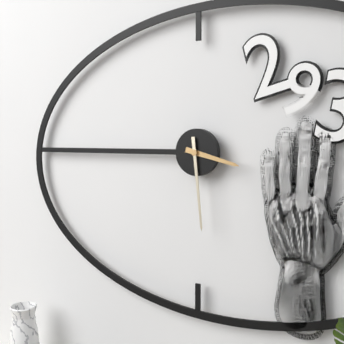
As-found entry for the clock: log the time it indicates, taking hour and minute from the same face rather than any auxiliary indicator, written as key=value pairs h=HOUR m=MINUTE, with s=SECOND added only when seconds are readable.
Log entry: h=3 m=29
